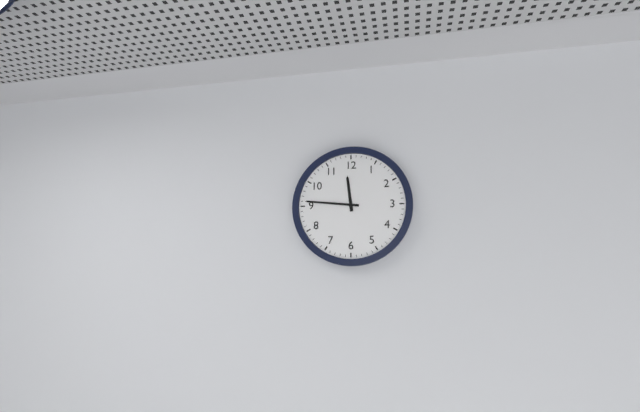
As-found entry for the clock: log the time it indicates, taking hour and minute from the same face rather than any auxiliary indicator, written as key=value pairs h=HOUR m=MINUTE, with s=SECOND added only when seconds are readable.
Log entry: h=11 m=46
